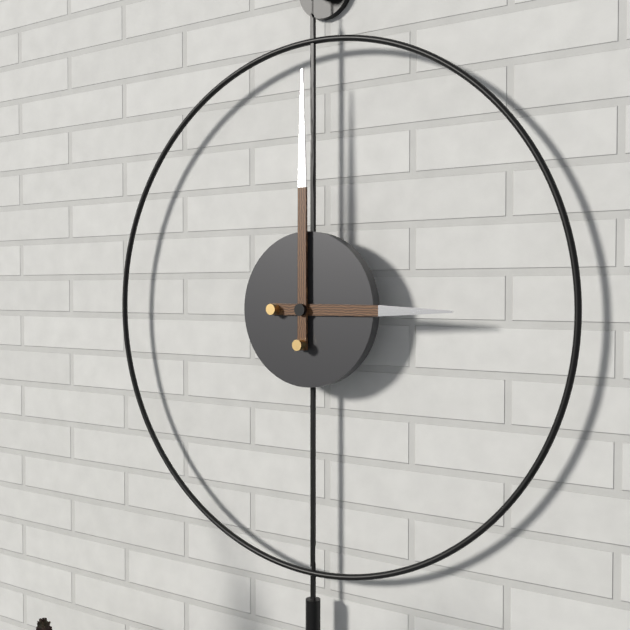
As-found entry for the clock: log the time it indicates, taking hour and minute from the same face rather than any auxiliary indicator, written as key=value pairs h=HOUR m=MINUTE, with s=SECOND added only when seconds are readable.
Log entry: h=3 m=0
